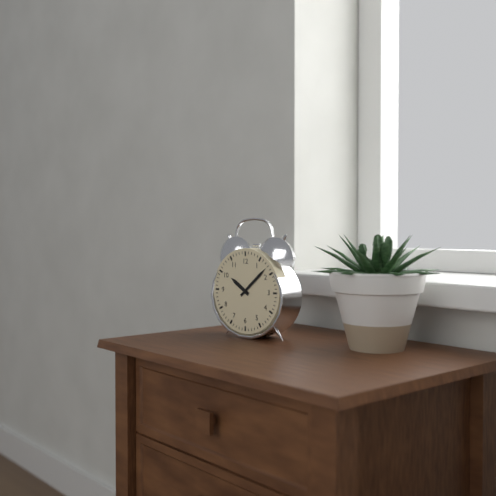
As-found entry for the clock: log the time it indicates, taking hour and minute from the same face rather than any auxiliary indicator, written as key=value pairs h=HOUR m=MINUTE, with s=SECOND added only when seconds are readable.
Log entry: h=10 m=8
